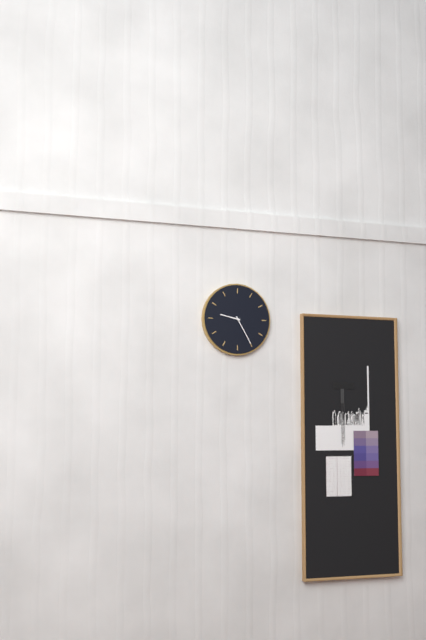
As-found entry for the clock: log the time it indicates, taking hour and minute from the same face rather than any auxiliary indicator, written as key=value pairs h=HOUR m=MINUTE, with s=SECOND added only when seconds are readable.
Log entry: h=9 m=25
